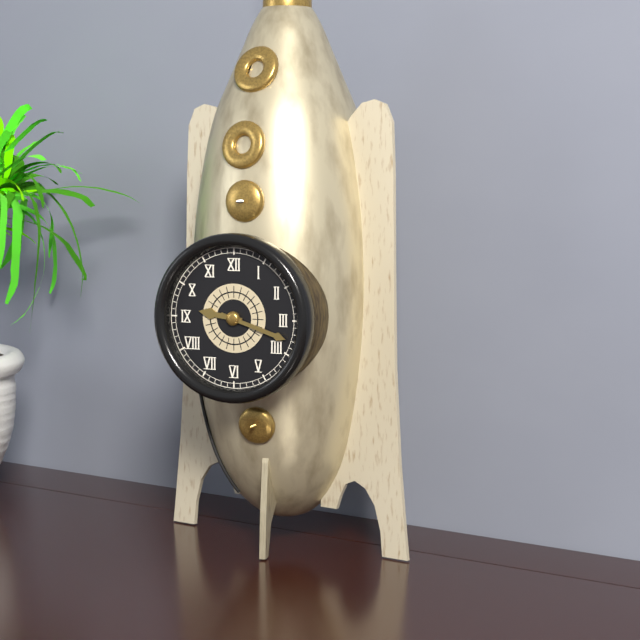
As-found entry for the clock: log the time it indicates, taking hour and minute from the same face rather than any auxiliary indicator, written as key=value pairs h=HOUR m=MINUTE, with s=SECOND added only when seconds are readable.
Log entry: h=9 m=18
